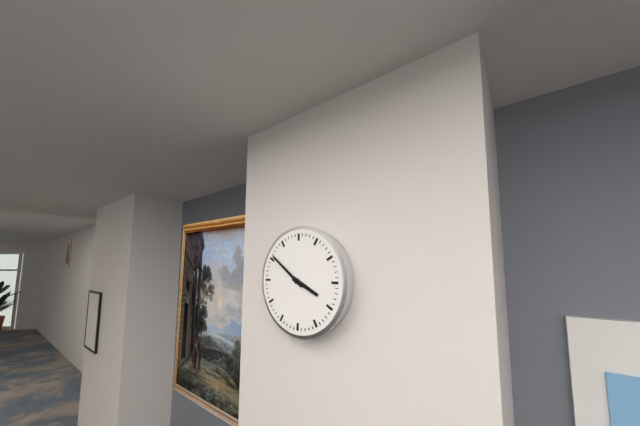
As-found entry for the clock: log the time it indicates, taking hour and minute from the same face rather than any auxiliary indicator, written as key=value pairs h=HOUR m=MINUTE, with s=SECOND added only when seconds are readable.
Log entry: h=3 m=51
